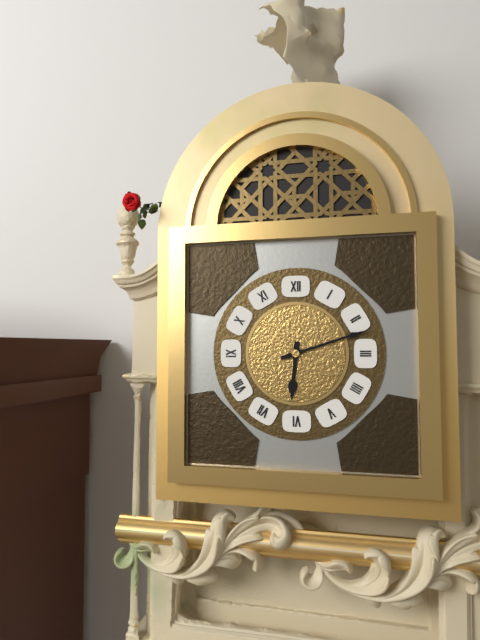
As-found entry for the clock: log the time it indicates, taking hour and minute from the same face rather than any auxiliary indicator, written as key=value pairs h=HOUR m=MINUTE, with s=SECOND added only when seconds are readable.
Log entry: h=6 m=12
